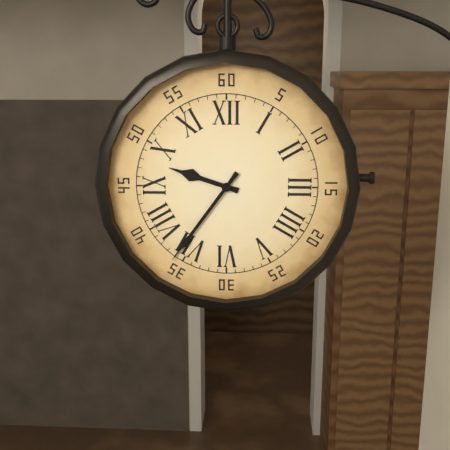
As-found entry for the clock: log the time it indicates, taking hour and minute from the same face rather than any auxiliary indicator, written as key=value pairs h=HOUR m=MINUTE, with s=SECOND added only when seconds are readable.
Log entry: h=9 m=36
